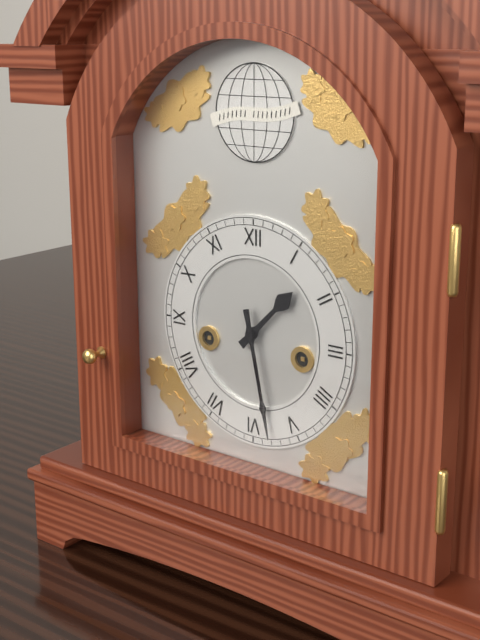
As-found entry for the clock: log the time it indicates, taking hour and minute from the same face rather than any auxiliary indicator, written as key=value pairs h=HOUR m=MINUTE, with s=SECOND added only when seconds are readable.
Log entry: h=1 m=28
